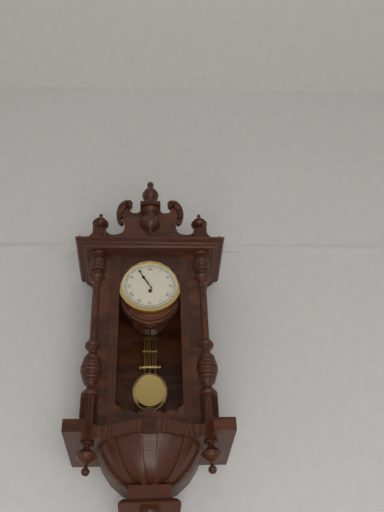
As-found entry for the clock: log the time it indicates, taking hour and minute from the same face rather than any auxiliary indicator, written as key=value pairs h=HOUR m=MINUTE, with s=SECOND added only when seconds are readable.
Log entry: h=10 m=55
